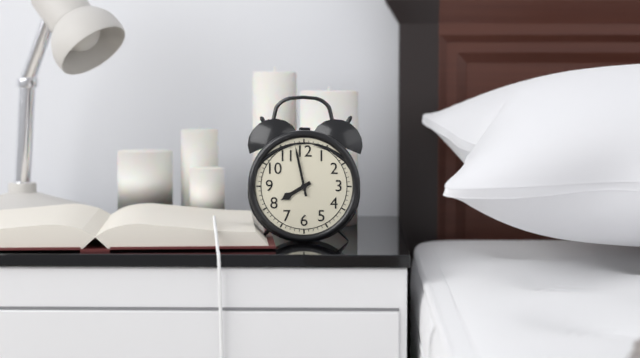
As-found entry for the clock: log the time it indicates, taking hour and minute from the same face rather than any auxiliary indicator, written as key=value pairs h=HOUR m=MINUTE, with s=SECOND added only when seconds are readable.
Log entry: h=7 m=58
